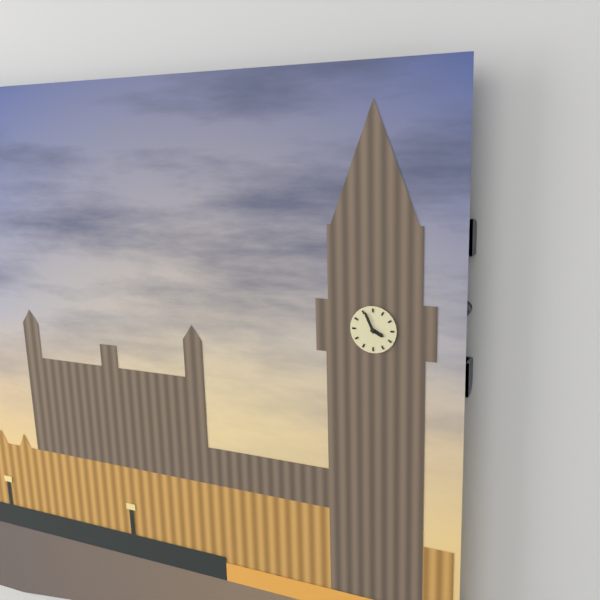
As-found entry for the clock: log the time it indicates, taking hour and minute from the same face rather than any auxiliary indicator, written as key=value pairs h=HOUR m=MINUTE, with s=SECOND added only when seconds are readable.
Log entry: h=3 m=56
